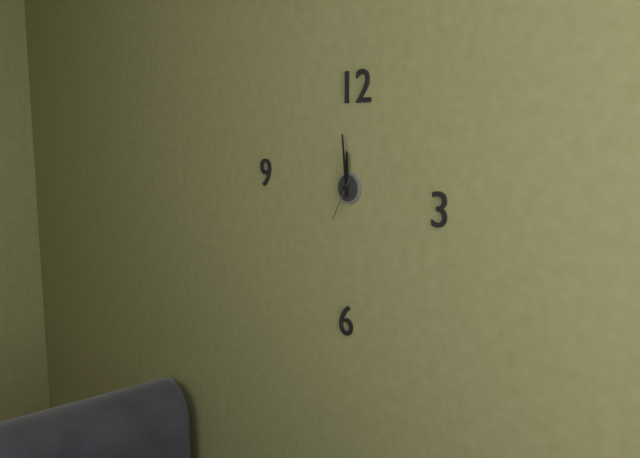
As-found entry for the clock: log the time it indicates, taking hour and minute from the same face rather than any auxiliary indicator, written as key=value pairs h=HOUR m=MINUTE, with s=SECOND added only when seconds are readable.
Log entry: h=11 m=59
